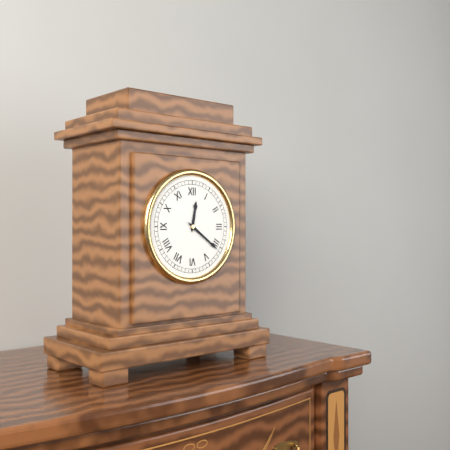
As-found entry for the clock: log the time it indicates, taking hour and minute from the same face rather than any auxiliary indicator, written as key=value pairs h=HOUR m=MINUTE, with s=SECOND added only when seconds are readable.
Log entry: h=12 m=21
